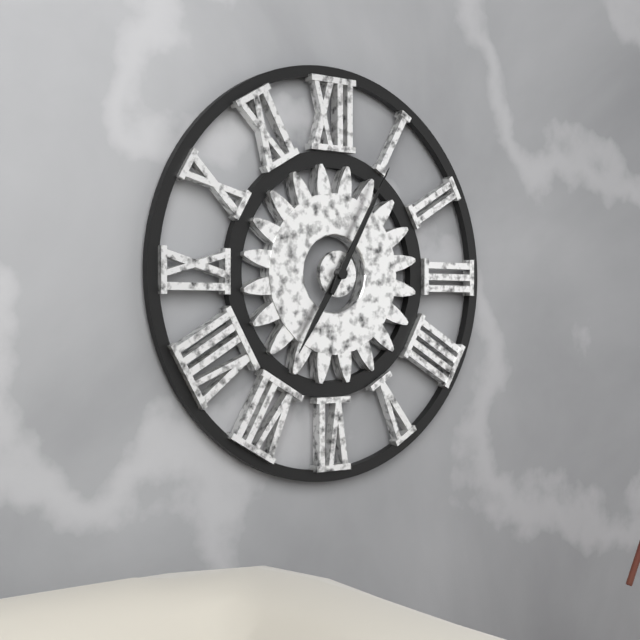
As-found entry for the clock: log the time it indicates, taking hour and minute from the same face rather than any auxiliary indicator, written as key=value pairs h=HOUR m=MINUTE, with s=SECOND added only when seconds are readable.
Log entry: h=7 m=5
